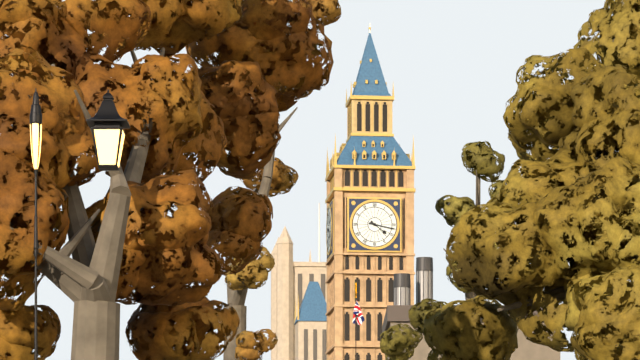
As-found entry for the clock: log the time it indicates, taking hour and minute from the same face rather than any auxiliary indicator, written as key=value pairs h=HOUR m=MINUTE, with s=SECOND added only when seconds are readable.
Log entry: h=4 m=17
